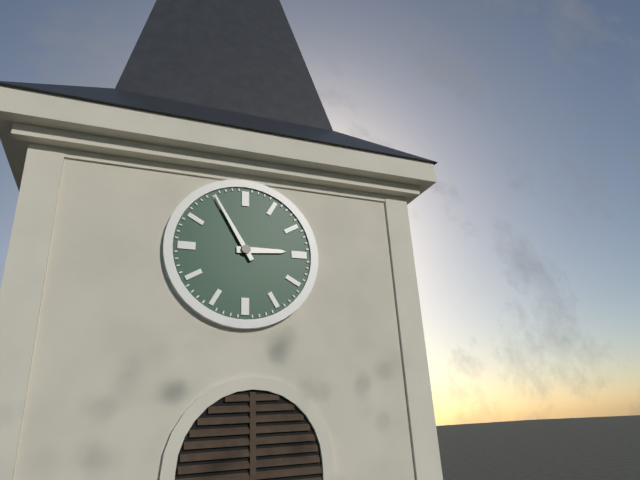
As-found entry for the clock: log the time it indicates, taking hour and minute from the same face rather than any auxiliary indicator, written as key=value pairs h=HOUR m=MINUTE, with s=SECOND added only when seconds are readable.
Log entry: h=2 m=55
